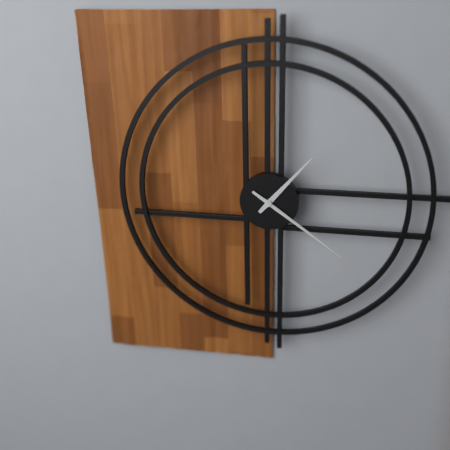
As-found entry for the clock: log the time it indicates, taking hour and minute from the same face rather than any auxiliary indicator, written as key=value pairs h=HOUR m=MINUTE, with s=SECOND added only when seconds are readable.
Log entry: h=1 m=21
